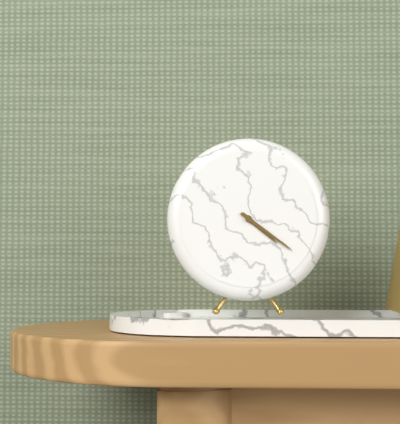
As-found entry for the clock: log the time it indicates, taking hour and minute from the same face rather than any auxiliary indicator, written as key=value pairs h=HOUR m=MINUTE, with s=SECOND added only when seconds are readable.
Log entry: h=4 m=21
